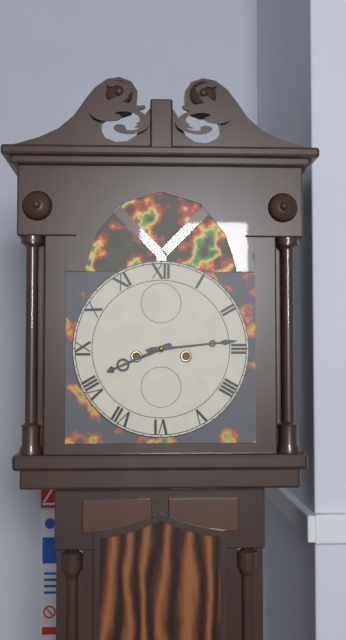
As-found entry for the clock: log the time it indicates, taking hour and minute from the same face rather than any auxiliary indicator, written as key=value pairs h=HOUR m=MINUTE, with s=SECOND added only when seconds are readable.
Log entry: h=8 m=14
